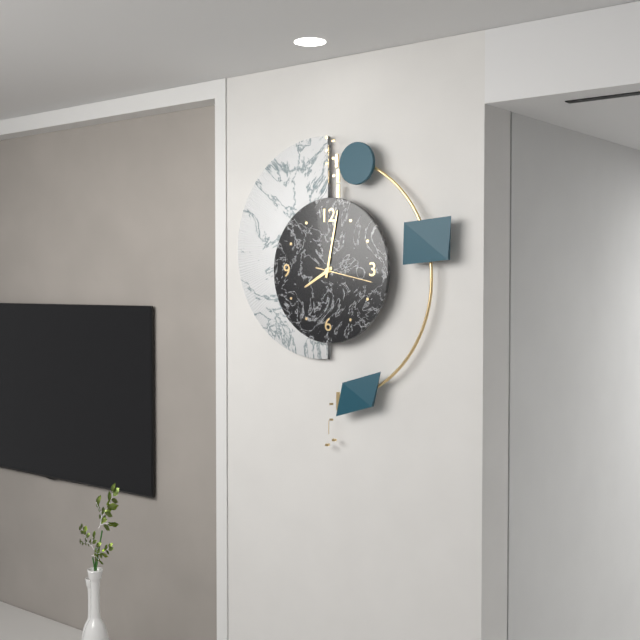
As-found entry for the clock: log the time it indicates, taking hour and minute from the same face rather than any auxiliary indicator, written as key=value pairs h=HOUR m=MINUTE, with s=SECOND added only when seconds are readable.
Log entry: h=8 m=2
